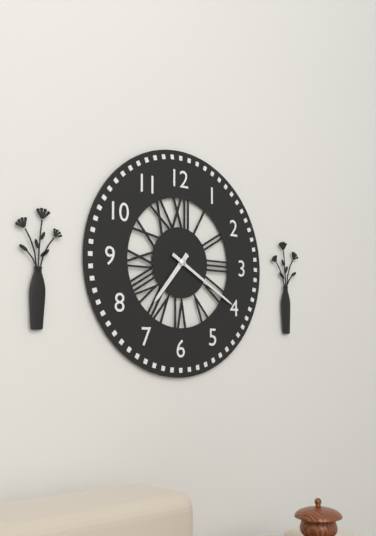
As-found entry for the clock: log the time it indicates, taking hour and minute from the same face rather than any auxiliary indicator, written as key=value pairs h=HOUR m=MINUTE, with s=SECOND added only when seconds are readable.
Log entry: h=7 m=20
